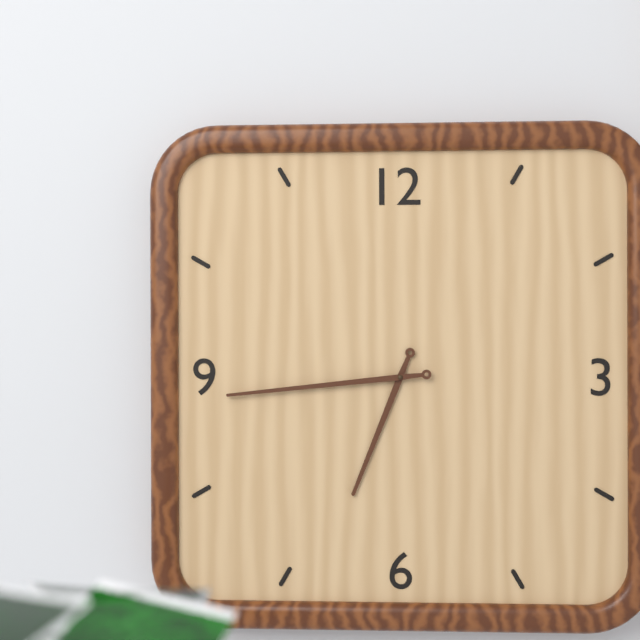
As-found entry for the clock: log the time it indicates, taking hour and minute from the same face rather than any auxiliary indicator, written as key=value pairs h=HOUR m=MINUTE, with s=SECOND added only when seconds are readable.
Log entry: h=6 m=44
